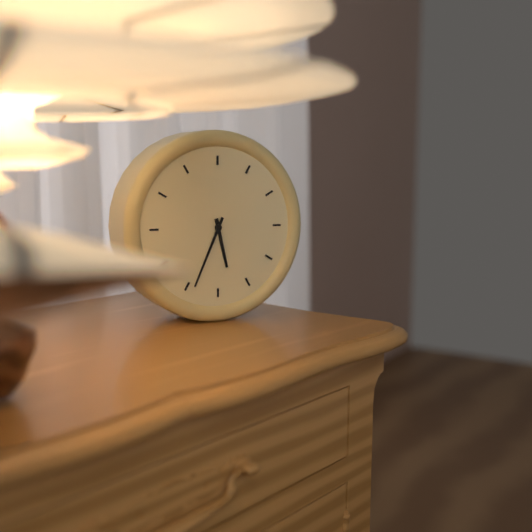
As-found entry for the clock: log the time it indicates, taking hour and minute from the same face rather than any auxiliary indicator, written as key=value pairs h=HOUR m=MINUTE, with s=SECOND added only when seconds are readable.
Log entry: h=5 m=34
